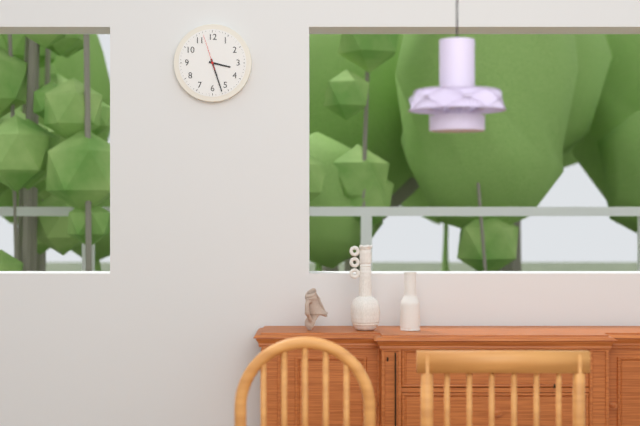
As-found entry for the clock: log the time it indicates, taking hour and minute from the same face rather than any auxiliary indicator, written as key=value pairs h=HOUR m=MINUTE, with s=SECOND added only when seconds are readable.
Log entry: h=3 m=27
